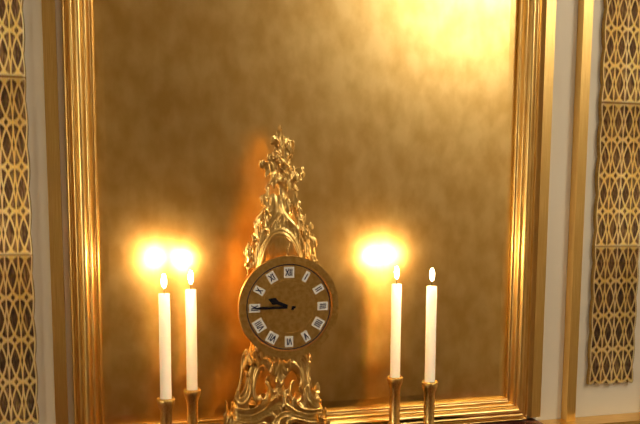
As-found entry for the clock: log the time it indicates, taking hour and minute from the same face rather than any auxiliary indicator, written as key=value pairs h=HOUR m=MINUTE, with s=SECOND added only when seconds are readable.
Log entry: h=9 m=45
